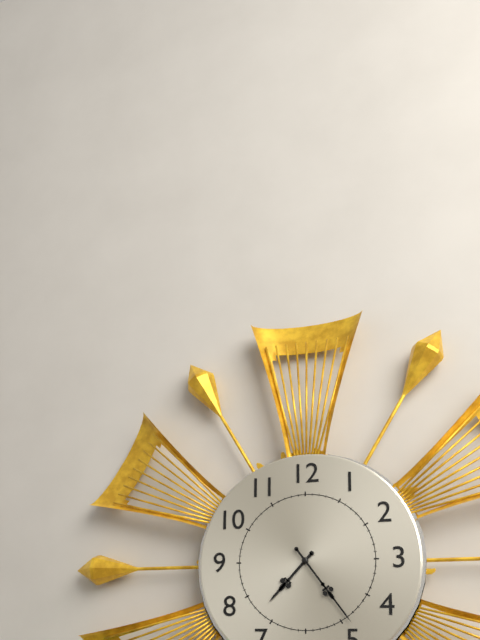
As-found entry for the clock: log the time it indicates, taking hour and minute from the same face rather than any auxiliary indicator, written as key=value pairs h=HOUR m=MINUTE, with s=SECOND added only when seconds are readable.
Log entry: h=7 m=24
